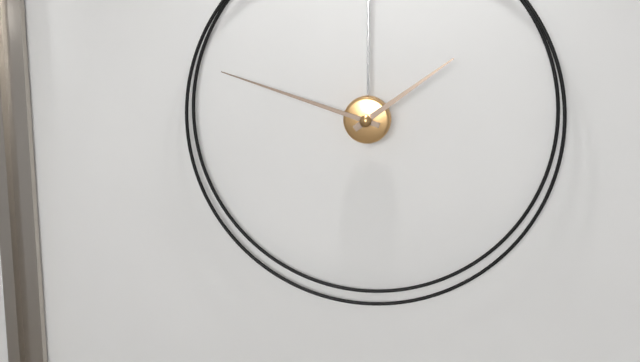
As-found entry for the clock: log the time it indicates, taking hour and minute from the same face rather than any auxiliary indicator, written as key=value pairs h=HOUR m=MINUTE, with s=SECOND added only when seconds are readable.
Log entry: h=1 m=48
